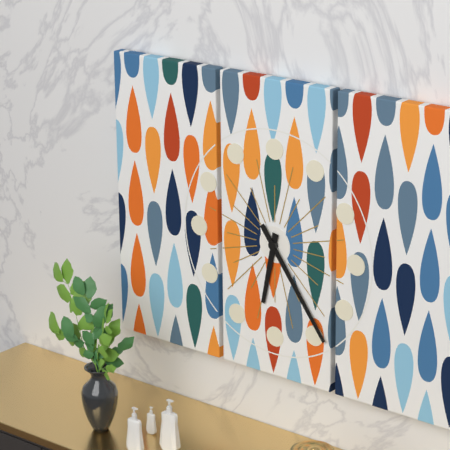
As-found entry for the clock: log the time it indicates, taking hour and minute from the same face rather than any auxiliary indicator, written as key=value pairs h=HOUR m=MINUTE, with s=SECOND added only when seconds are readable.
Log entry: h=6 m=24
